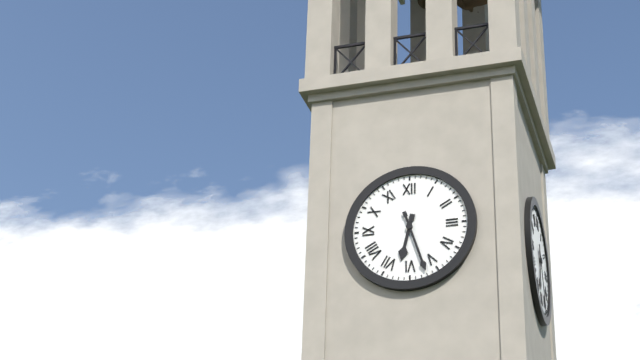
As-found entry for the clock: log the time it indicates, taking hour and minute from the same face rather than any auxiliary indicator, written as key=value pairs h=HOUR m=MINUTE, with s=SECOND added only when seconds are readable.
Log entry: h=6 m=27
